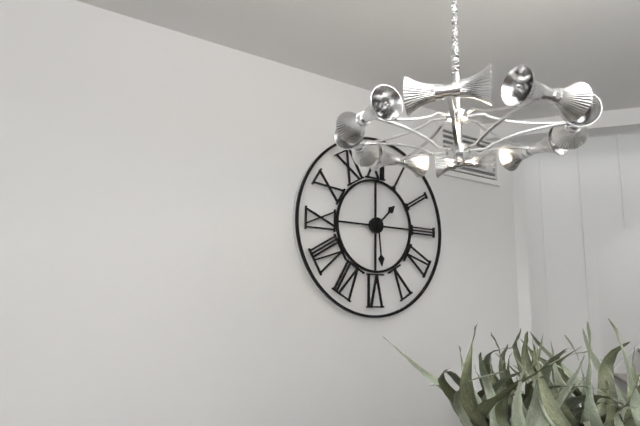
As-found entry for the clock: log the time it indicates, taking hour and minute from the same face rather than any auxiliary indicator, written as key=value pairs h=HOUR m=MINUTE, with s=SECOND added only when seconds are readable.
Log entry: h=1 m=29
